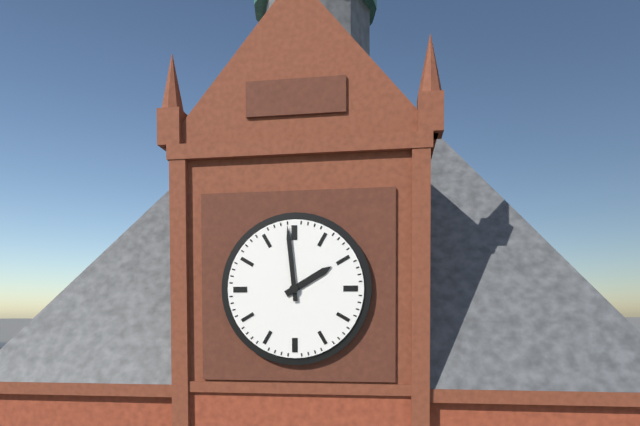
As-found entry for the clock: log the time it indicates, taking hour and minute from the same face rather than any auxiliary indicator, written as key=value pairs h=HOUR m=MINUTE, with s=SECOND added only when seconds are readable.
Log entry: h=1 m=59
